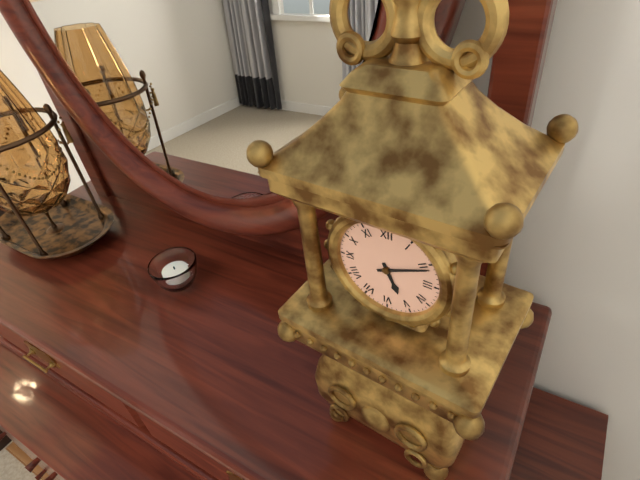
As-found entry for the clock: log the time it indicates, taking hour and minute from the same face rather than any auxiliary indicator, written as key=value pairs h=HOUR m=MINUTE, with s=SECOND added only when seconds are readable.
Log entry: h=5 m=11
